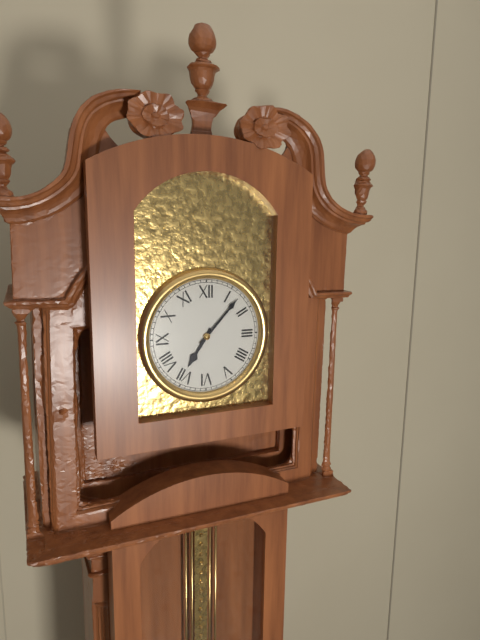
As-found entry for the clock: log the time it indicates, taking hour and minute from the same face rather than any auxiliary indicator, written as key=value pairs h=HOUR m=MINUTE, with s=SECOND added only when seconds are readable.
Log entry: h=7 m=7
